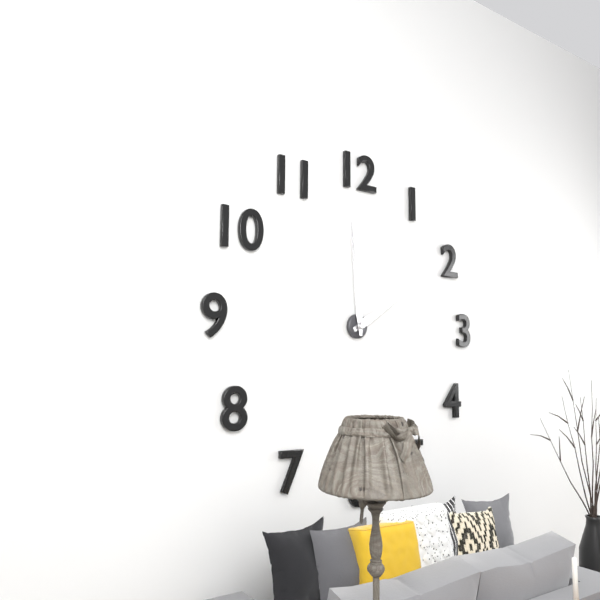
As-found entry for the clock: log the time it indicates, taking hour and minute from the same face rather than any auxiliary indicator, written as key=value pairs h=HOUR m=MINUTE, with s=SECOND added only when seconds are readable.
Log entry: h=1 m=59
